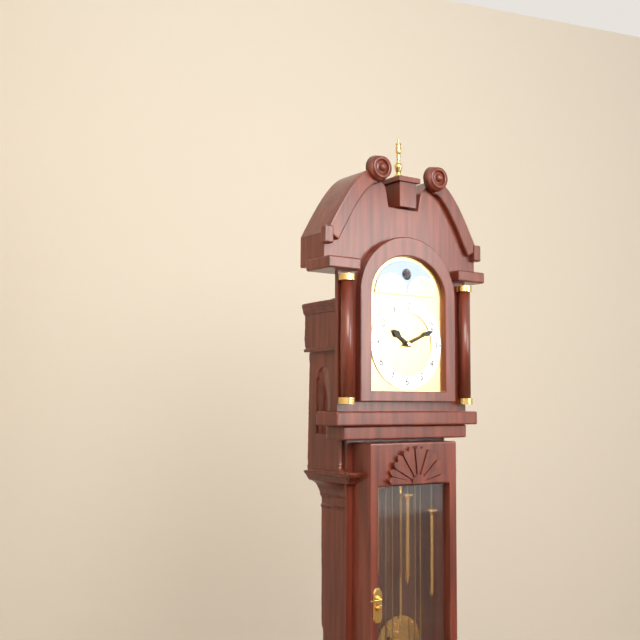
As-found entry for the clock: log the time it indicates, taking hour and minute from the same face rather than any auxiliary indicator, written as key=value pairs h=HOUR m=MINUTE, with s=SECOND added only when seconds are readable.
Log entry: h=10 m=11
